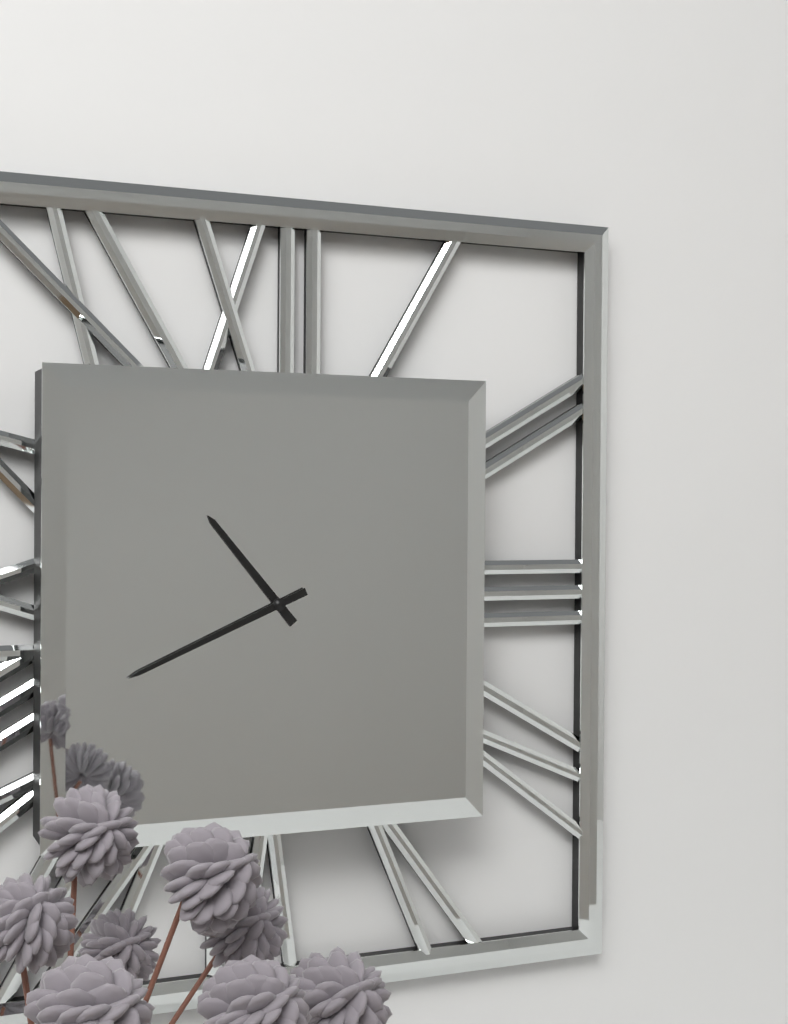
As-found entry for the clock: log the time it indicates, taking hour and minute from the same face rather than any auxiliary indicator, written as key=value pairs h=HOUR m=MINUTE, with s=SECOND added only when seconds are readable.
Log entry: h=10 m=41
